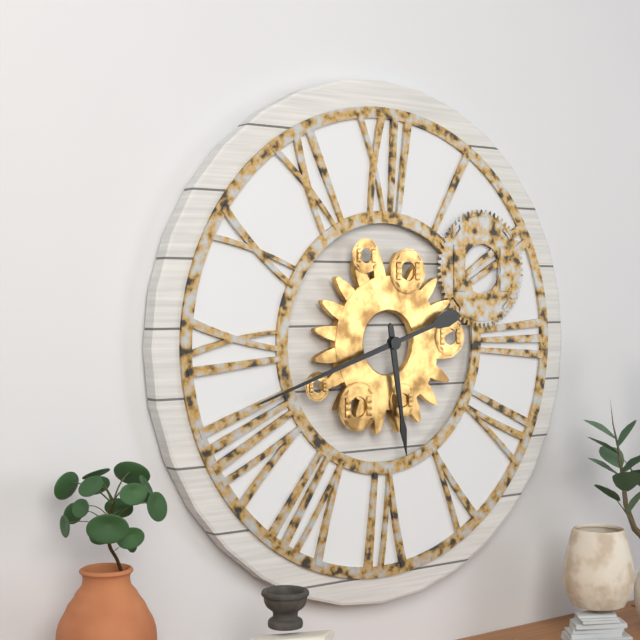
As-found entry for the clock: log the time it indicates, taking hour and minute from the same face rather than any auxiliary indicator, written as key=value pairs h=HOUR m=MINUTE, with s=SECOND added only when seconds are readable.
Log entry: h=5 m=42
